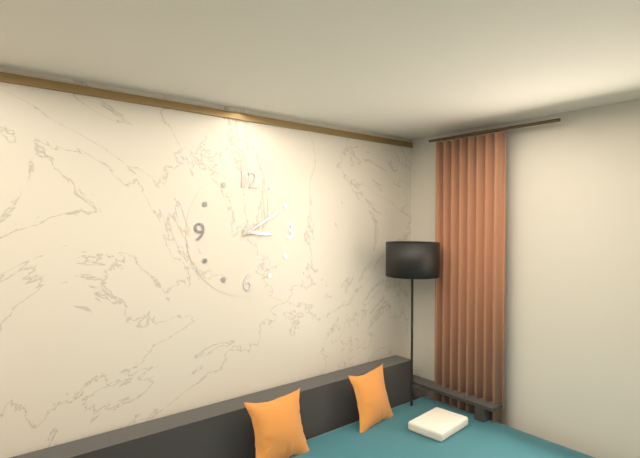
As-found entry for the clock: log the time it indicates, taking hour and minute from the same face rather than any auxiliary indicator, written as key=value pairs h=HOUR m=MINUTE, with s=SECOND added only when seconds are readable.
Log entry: h=3 m=10
